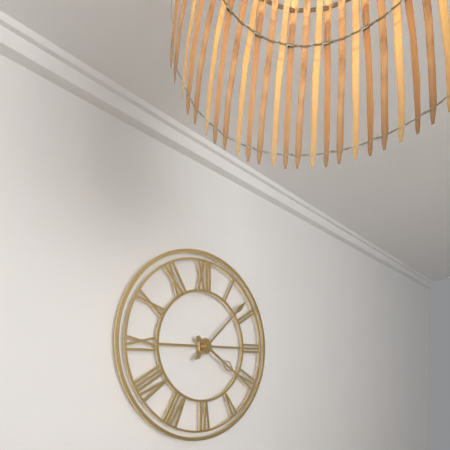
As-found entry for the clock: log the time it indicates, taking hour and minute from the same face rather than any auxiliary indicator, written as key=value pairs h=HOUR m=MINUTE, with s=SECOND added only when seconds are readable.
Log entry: h=4 m=8
